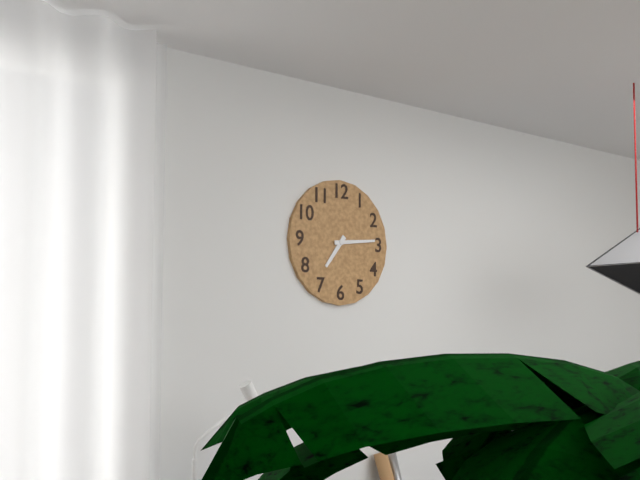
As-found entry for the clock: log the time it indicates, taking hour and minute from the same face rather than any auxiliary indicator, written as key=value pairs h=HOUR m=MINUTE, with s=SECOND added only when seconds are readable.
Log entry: h=7 m=14
